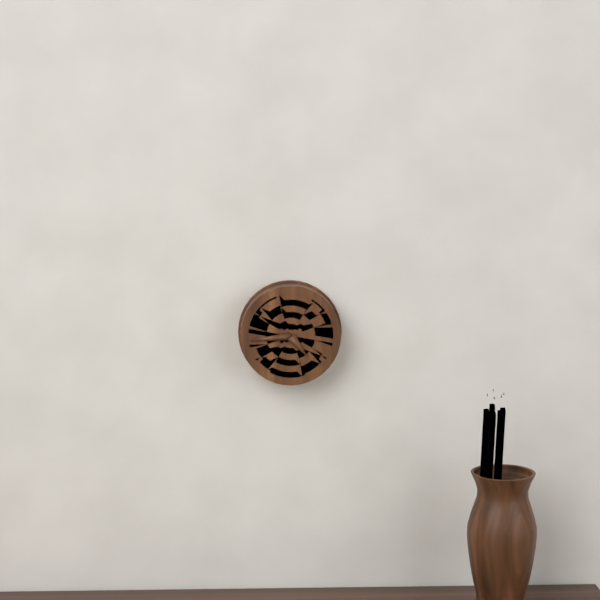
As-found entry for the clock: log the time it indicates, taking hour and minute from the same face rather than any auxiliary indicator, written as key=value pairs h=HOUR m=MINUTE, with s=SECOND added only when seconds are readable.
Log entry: h=4 m=44
